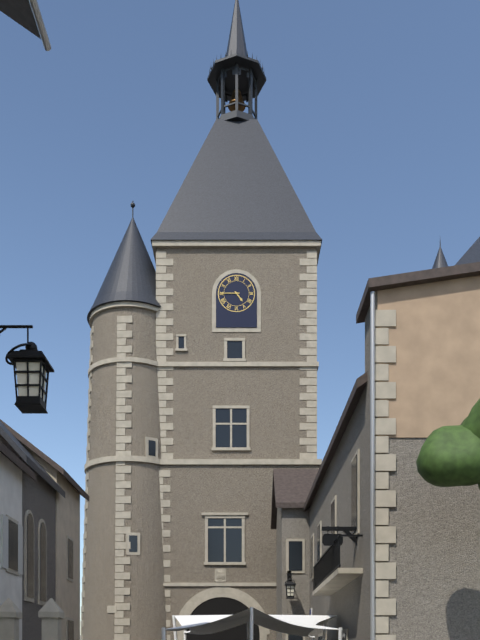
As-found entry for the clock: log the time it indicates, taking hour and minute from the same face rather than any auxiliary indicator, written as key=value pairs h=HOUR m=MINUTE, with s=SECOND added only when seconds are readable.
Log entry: h=4 m=45
